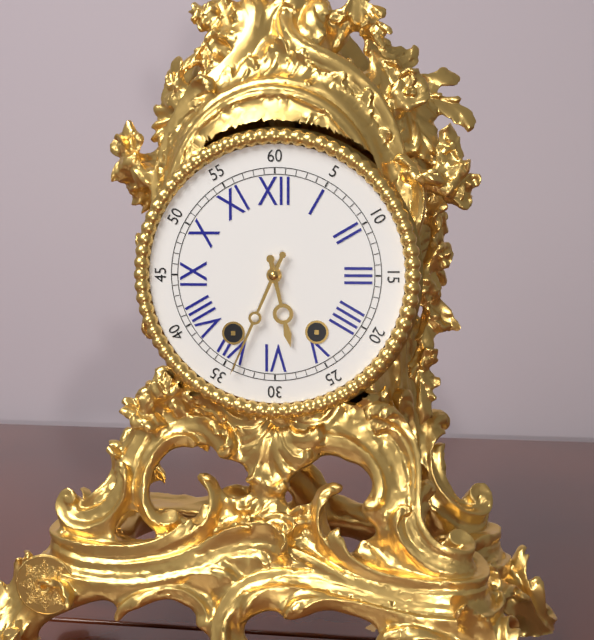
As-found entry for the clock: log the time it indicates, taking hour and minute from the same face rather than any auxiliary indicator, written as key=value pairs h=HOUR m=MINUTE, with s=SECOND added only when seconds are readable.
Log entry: h=5 m=34
